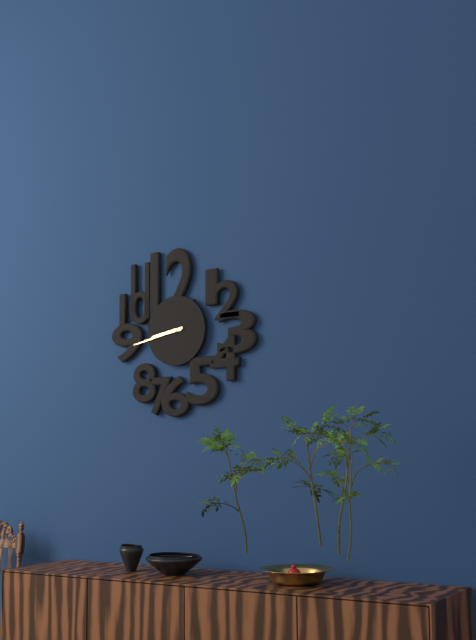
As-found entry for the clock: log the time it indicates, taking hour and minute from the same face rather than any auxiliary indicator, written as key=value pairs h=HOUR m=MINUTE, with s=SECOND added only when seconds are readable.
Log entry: h=8 m=43
